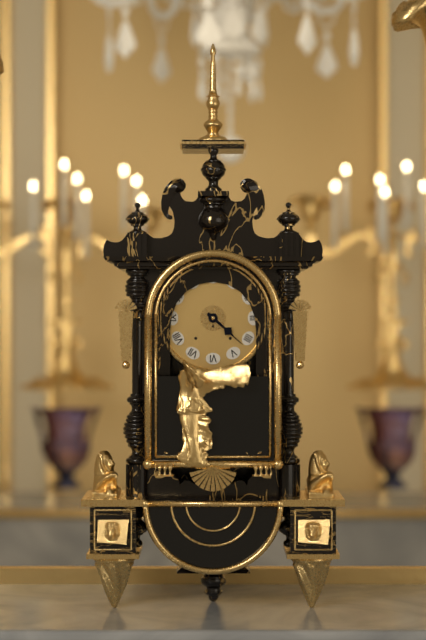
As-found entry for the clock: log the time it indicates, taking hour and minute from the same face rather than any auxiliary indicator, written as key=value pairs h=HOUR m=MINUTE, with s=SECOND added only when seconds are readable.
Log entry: h=4 m=22
